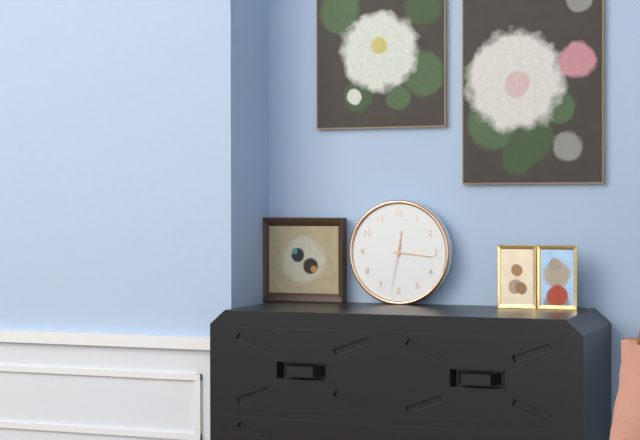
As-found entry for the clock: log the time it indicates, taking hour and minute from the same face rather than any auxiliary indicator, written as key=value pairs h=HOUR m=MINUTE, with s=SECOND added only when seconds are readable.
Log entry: h=12 m=16
